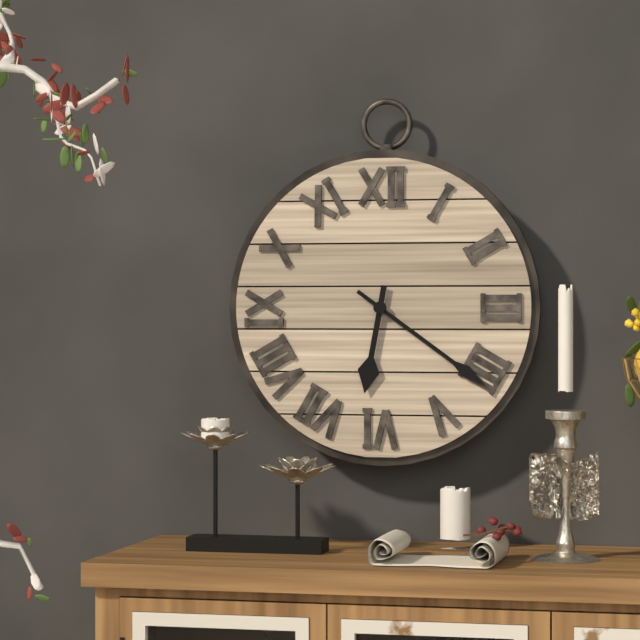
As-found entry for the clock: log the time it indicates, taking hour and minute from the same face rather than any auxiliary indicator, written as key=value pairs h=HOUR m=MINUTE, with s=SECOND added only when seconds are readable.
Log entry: h=6 m=21
